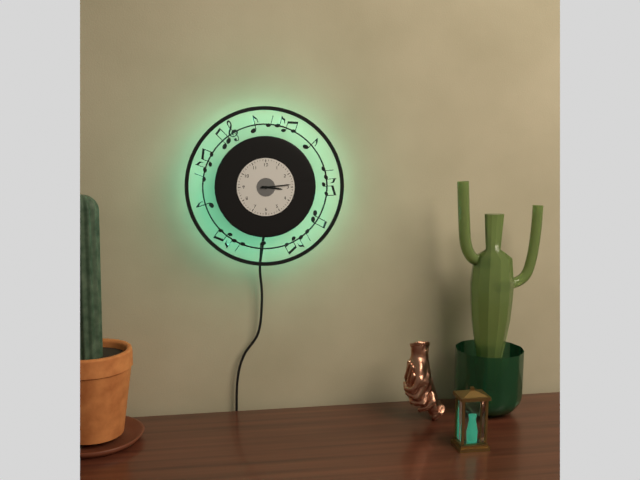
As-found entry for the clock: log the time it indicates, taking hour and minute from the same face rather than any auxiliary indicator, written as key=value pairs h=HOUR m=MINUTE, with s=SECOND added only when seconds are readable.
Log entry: h=3 m=14
